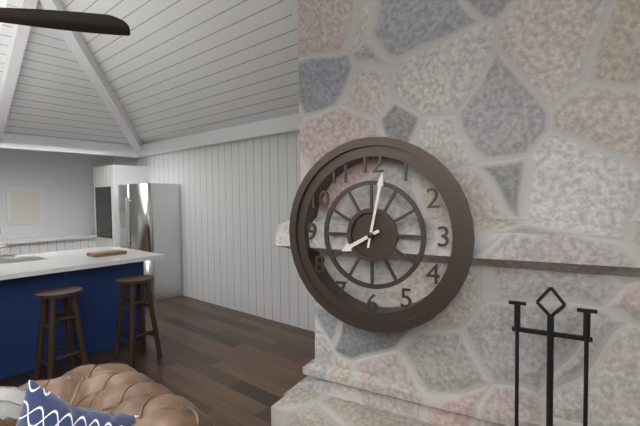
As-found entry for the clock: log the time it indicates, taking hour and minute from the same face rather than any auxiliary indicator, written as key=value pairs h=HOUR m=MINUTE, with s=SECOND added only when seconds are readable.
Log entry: h=8 m=2
